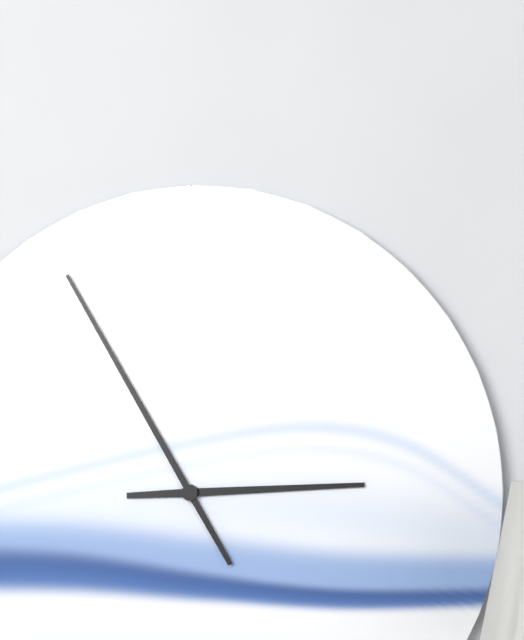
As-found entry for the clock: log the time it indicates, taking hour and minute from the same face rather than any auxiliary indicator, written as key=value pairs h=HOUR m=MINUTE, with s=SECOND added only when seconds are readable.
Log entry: h=2 m=55
